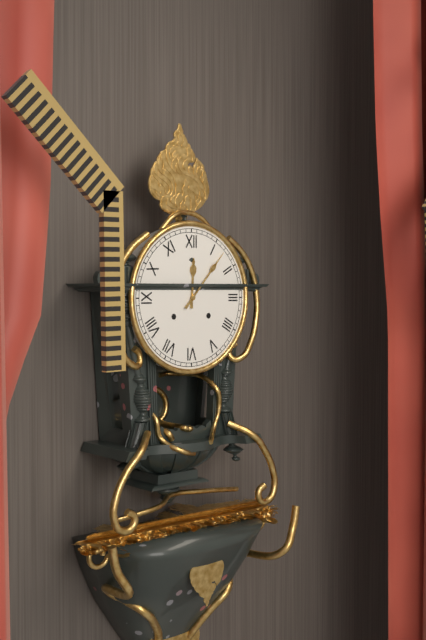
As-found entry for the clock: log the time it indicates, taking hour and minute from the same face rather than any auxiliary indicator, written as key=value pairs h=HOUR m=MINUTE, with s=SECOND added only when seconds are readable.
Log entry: h=12 m=7
